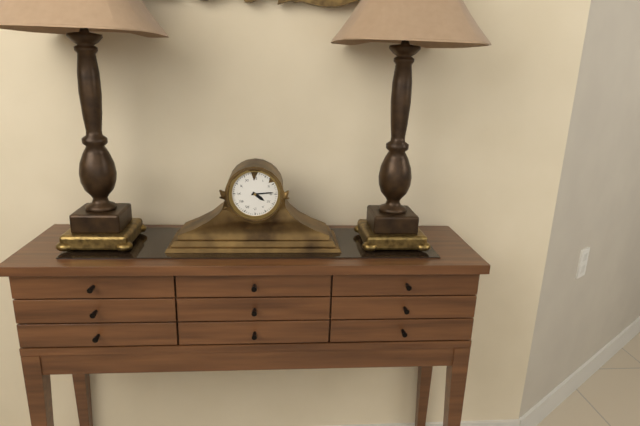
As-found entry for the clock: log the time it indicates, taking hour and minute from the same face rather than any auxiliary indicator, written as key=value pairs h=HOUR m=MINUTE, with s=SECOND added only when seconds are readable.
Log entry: h=4 m=14
